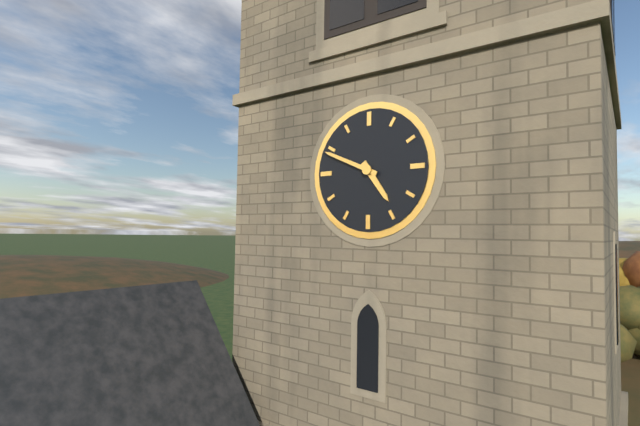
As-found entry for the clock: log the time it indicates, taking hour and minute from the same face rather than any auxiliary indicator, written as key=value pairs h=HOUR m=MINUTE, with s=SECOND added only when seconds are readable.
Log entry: h=4 m=49
